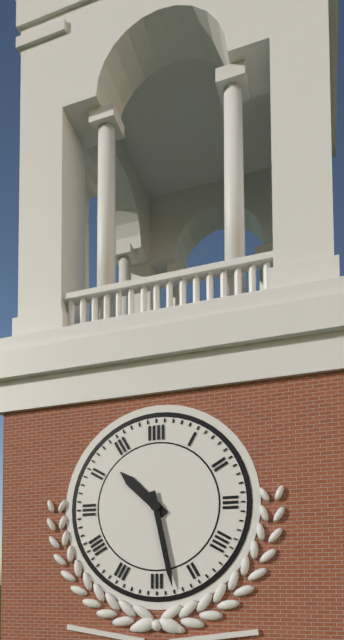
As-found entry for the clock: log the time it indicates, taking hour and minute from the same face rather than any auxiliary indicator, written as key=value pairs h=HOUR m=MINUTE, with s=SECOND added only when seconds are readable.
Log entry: h=10 m=28
